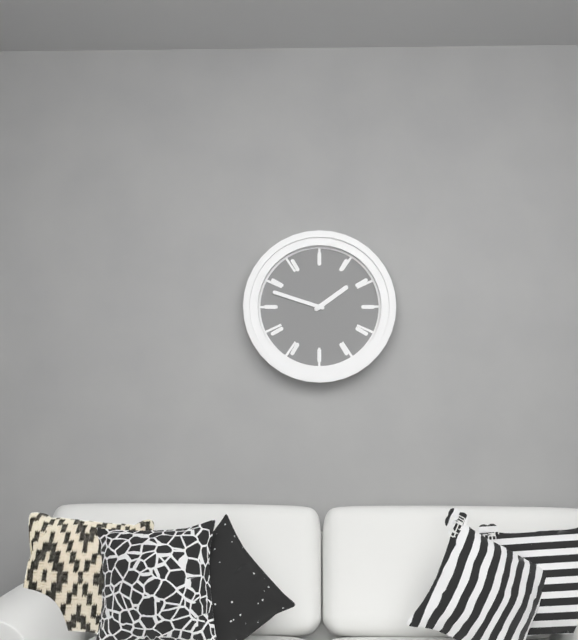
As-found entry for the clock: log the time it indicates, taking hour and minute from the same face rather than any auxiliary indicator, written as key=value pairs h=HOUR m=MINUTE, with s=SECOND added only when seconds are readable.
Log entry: h=1 m=48
